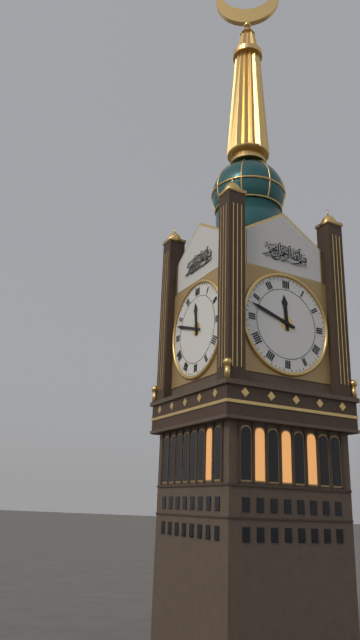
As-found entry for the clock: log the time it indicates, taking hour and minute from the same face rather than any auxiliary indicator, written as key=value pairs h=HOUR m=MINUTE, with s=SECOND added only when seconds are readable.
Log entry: h=11 m=48
